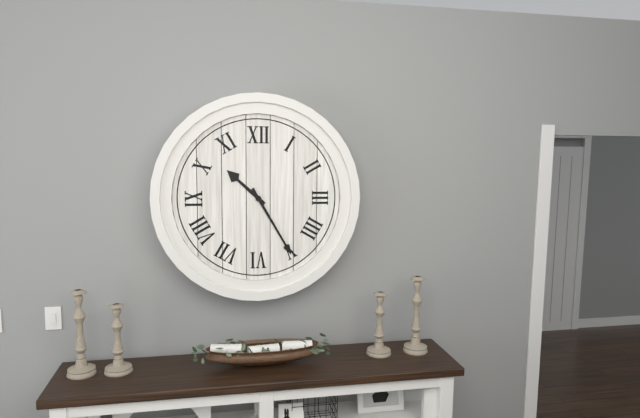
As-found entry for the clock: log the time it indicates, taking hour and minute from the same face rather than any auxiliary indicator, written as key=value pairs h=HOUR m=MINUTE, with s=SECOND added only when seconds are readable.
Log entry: h=10 m=25
